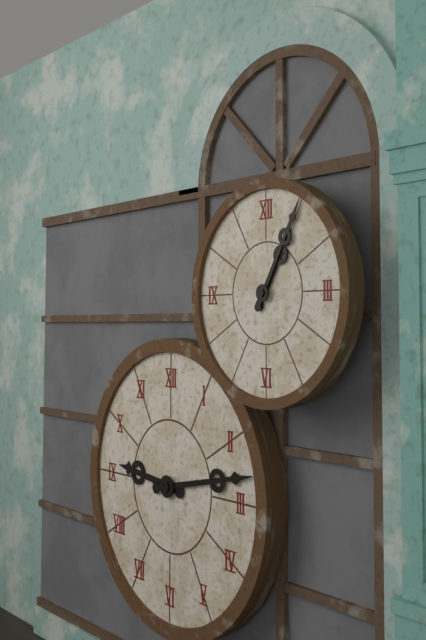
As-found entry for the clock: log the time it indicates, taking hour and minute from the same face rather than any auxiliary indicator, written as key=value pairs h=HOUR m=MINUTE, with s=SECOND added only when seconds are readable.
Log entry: h=1 m=5
